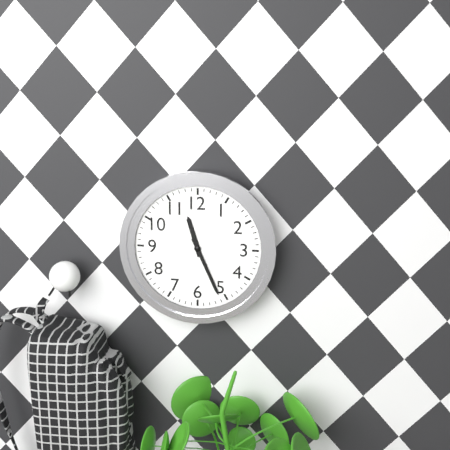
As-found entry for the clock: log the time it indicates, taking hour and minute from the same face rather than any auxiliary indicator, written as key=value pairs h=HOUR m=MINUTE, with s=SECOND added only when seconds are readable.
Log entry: h=11 m=26
